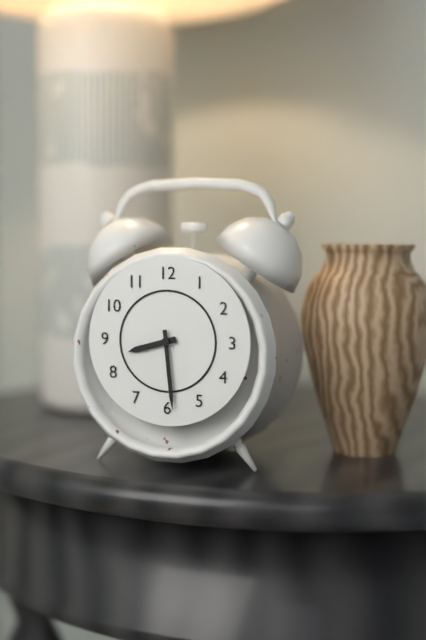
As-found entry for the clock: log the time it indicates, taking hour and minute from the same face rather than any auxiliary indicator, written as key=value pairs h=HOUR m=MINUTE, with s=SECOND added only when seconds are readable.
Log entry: h=8 m=29
